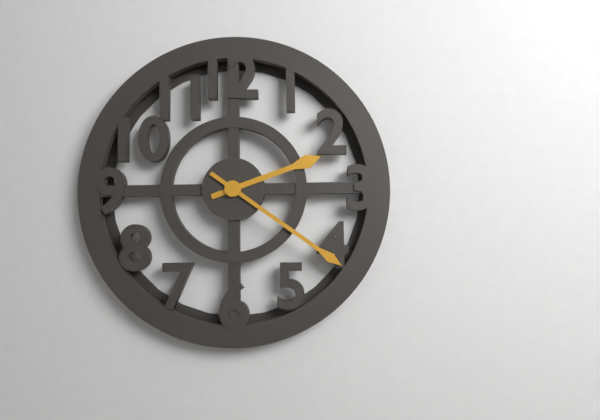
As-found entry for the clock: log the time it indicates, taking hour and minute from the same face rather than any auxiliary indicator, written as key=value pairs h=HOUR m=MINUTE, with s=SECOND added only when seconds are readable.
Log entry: h=2 m=21
